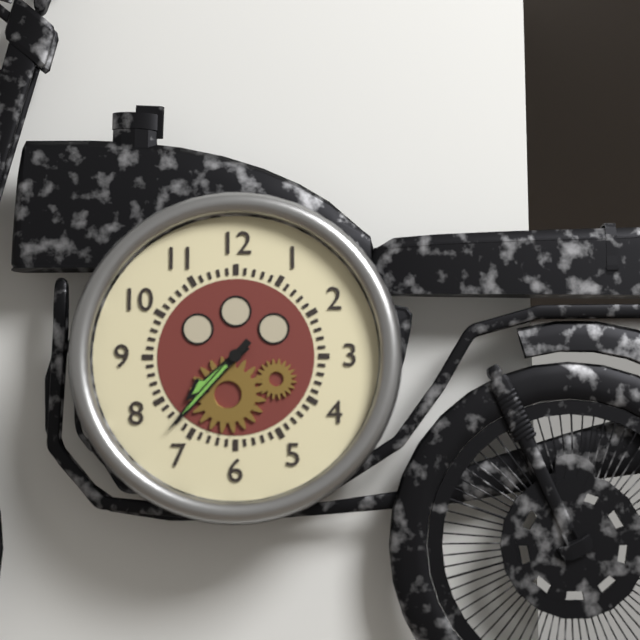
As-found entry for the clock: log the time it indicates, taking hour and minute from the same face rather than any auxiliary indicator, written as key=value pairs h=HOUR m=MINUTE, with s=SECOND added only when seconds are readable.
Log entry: h=7 m=37
